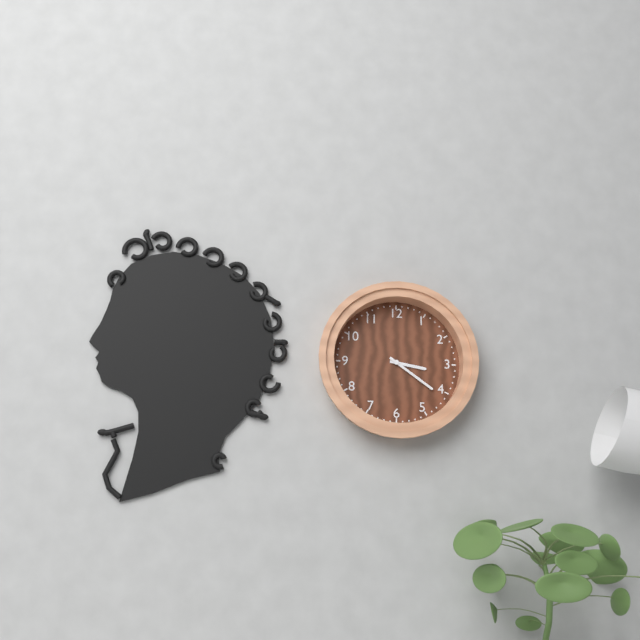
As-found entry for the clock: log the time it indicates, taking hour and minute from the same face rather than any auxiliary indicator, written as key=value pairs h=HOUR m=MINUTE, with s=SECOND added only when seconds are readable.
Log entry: h=3 m=21
